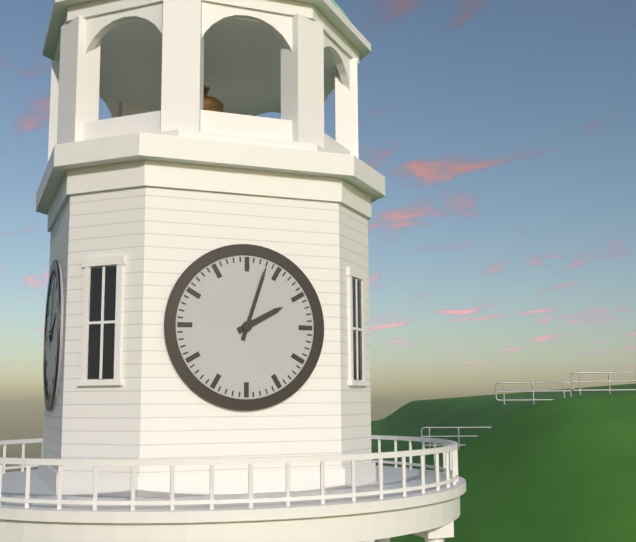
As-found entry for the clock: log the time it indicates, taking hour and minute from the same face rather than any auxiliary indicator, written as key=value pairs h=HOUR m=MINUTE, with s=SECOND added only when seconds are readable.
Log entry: h=2 m=3
